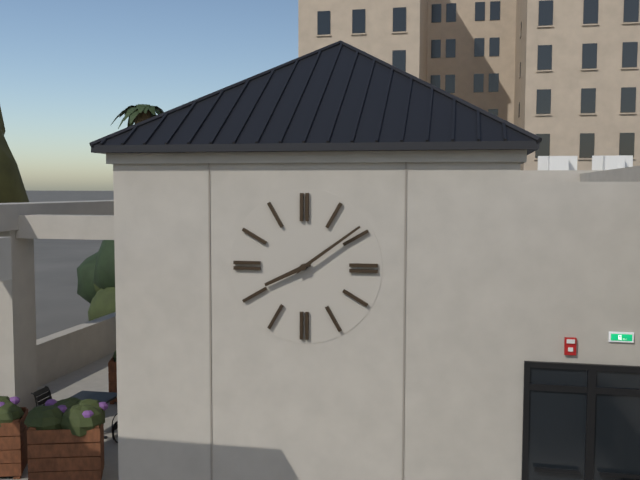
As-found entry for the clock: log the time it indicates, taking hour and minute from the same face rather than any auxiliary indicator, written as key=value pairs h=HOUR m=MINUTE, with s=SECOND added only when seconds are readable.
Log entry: h=8 m=9
